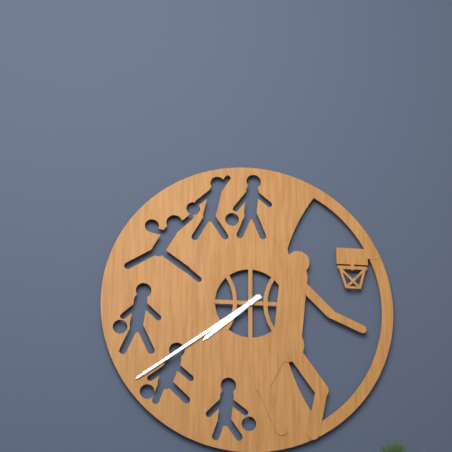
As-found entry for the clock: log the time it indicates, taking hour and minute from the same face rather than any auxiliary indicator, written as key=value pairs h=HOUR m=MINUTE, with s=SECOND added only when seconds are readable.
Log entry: h=7 m=39
